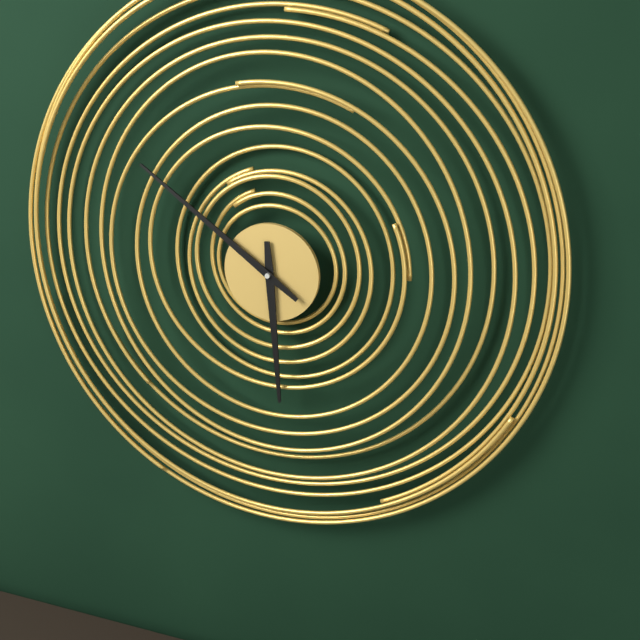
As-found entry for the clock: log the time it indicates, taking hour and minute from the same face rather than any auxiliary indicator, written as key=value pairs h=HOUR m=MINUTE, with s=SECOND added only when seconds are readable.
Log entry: h=5 m=51
